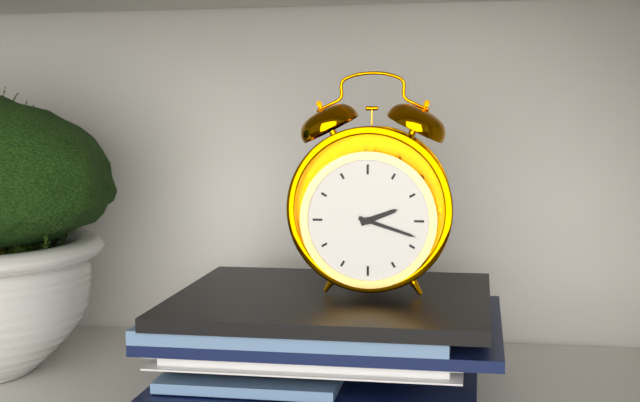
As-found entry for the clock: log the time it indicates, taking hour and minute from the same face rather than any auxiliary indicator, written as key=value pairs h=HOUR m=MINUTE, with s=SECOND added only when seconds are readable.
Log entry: h=2 m=18
